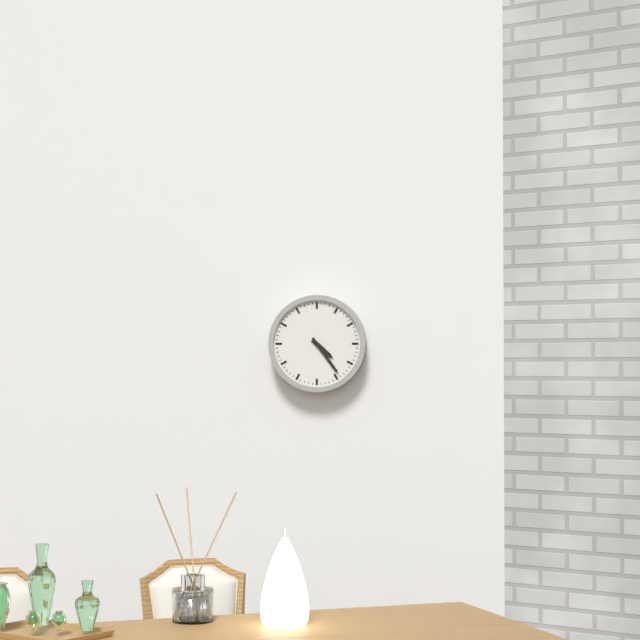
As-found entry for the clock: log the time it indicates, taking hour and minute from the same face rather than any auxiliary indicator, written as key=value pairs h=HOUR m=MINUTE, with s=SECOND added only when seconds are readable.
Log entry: h=4 m=24
